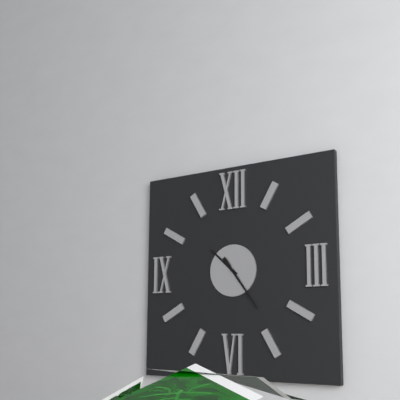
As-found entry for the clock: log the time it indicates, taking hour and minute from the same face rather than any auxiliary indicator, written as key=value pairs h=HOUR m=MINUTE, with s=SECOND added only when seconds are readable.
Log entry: h=10 m=24
